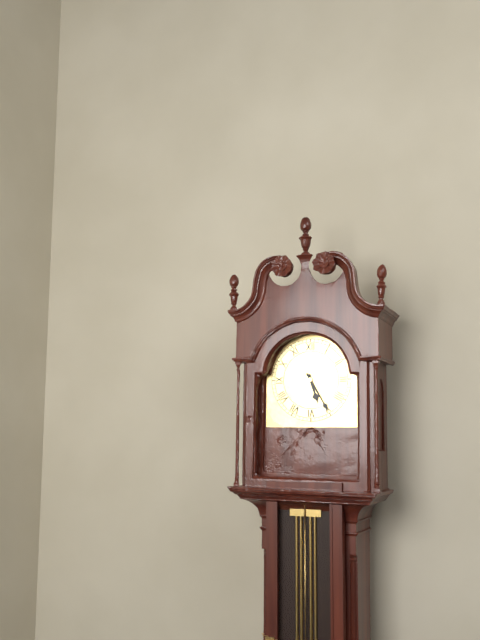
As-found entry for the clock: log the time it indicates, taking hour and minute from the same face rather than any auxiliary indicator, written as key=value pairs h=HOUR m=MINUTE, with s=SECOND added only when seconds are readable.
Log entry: h=5 m=25
